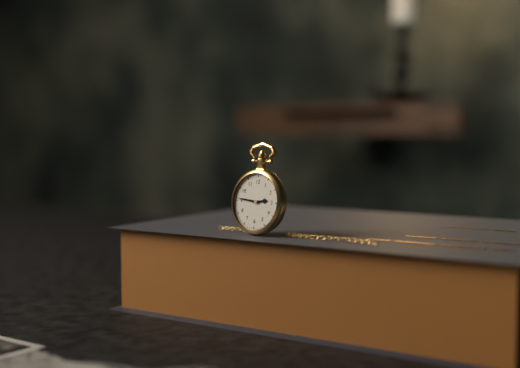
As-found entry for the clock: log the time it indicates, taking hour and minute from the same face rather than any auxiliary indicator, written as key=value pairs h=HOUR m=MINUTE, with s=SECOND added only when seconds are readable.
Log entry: h=2 m=46
